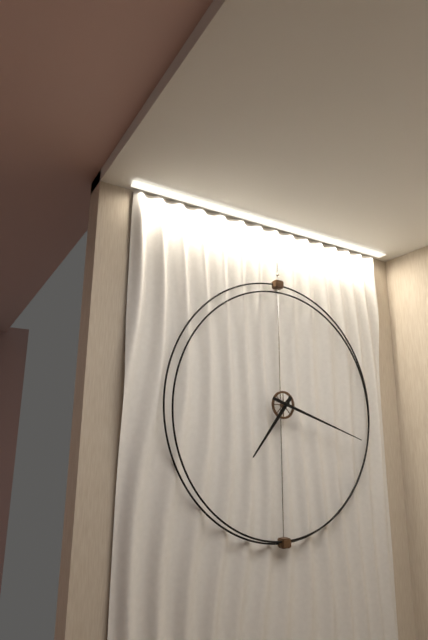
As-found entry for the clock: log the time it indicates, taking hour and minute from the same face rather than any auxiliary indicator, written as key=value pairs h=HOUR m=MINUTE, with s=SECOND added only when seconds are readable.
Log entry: h=7 m=18
